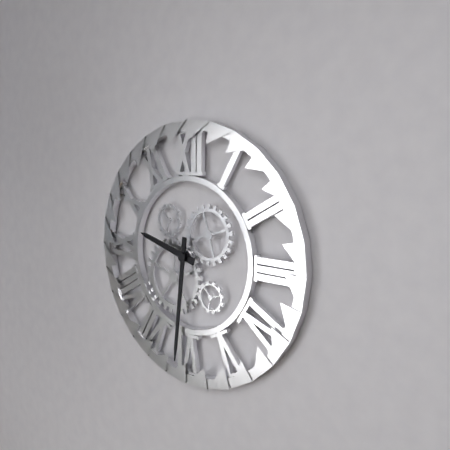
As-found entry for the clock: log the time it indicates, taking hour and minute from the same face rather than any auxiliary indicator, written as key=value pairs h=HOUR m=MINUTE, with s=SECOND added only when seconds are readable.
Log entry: h=9 m=31
